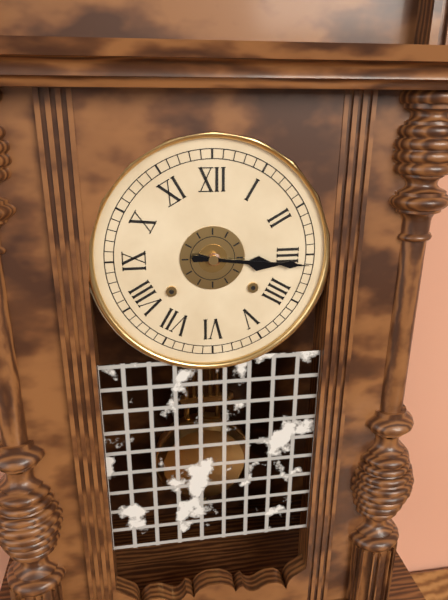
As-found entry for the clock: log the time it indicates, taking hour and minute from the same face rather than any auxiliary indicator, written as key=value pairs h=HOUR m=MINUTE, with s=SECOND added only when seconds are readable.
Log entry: h=3 m=16
